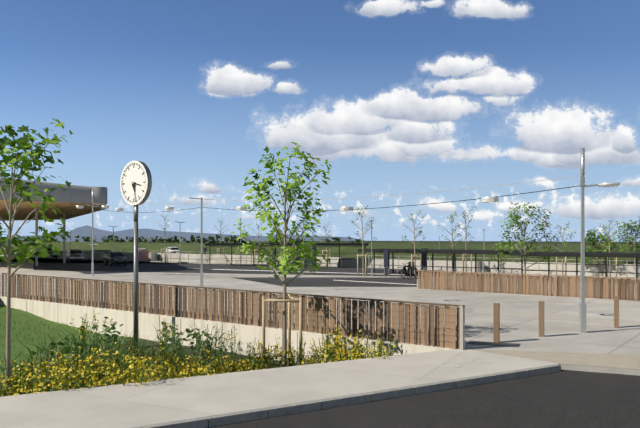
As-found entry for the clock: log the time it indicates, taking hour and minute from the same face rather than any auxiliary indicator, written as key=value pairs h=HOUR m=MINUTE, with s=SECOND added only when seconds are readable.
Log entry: h=3 m=28
